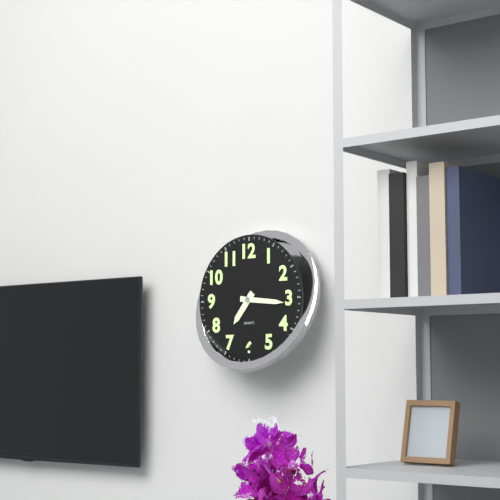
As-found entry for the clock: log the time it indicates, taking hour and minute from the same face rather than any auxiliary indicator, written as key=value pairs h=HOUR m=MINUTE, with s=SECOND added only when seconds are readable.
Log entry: h=7 m=16
